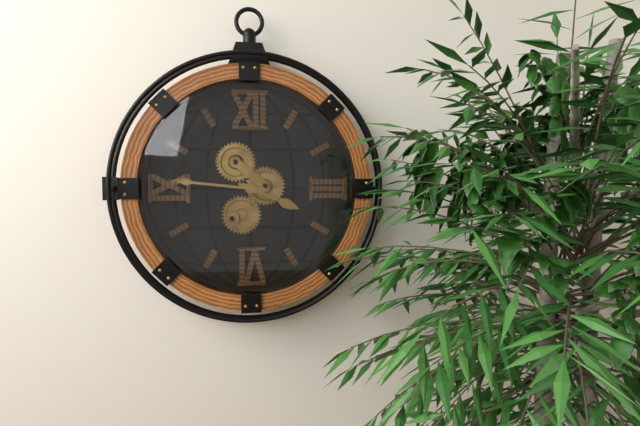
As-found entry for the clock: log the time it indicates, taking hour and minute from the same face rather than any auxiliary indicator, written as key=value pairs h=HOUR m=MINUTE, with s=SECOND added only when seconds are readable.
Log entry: h=3 m=46
